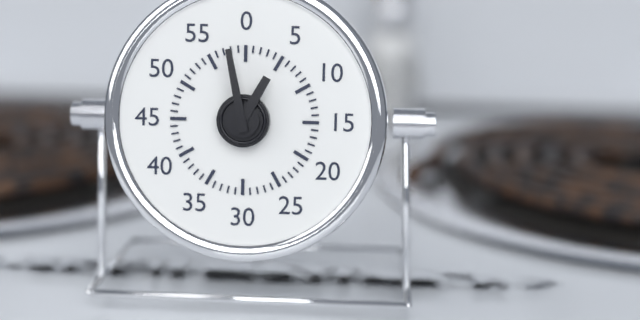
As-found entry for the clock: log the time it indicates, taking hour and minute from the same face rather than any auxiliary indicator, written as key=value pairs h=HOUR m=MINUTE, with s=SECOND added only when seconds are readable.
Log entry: h=12 m=58
